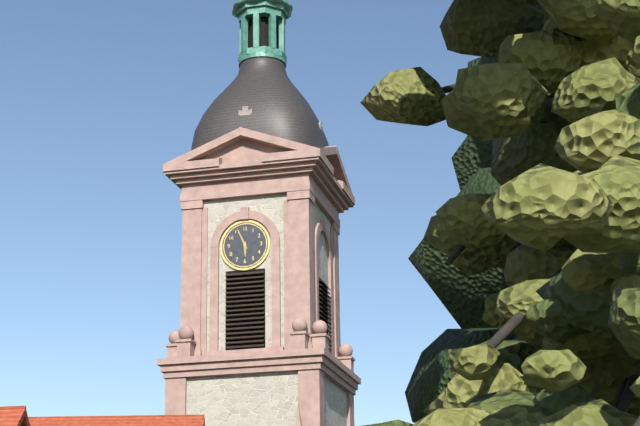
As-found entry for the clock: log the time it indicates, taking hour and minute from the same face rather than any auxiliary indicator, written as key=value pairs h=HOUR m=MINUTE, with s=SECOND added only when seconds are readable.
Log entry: h=5 m=56
